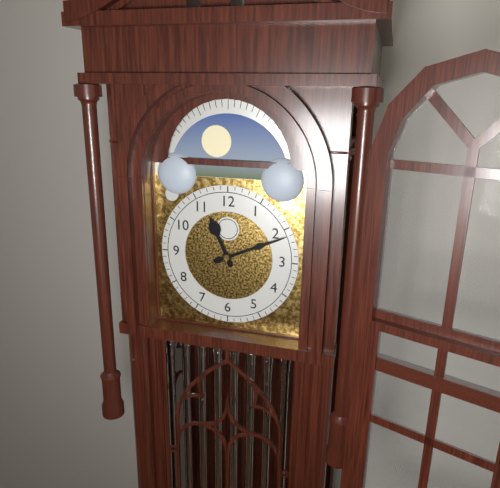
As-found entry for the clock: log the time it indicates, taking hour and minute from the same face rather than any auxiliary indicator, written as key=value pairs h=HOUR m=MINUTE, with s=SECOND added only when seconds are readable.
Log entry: h=11 m=11
